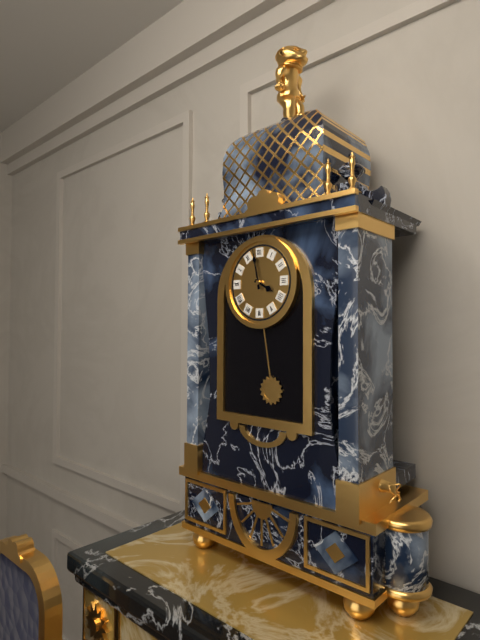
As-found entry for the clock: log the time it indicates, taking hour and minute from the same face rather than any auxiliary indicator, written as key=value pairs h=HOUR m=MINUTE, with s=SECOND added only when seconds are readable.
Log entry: h=3 m=58
